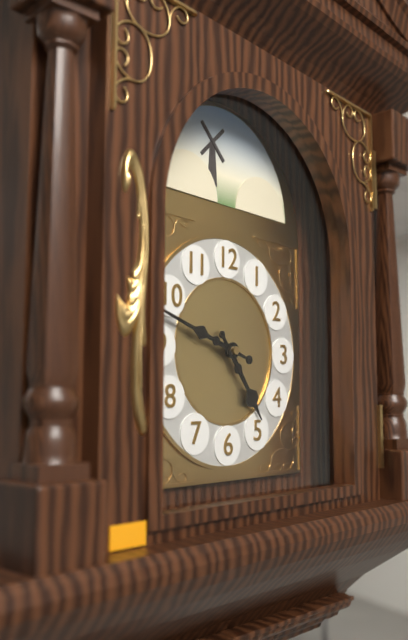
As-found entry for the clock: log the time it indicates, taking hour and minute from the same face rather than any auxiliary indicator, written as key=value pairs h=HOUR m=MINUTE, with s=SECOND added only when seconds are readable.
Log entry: h=4 m=48
